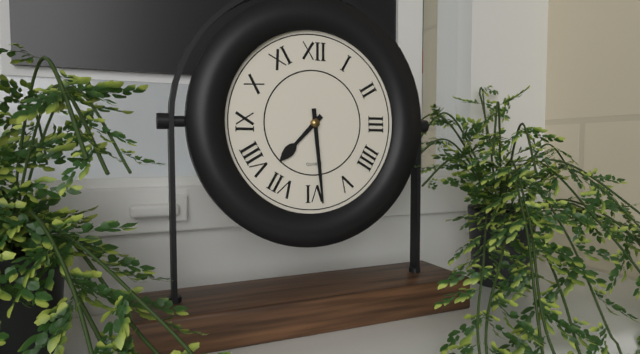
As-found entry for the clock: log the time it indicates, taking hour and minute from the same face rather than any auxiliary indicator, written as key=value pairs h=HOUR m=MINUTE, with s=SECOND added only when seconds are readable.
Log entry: h=7 m=29
